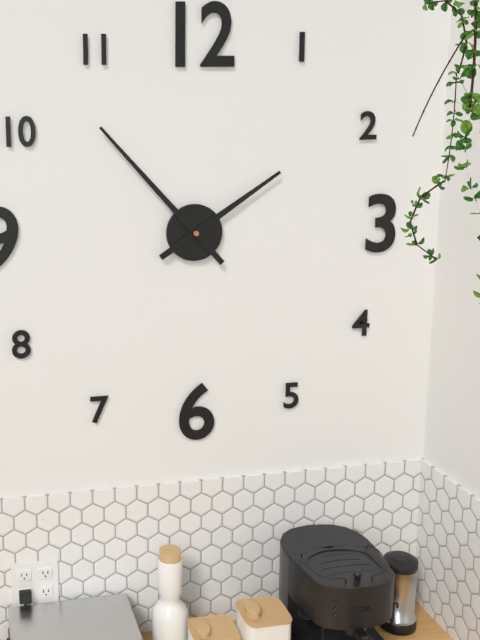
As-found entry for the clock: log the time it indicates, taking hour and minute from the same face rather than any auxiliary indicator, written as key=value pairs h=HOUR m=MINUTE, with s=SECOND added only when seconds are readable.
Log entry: h=1 m=53
